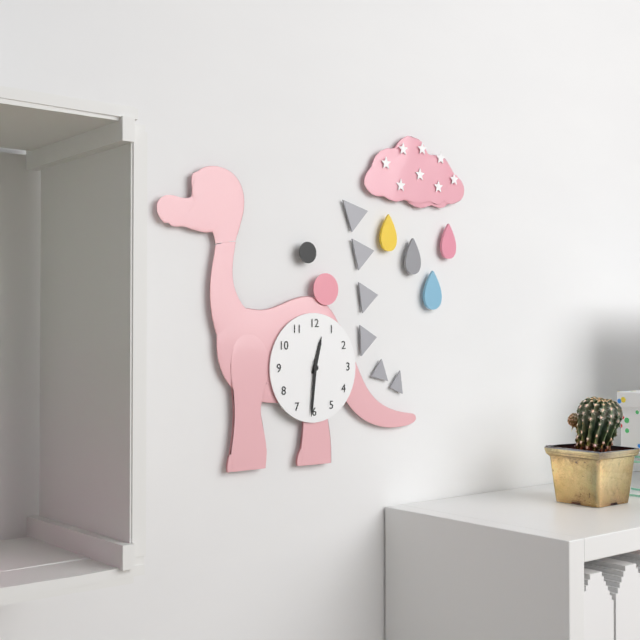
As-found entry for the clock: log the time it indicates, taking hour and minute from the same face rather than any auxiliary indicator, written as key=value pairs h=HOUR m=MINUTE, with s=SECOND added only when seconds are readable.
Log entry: h=12 m=31
